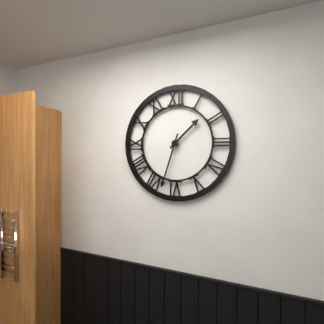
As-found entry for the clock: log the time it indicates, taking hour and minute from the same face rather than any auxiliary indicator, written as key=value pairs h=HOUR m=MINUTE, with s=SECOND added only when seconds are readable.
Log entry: h=1 m=33
